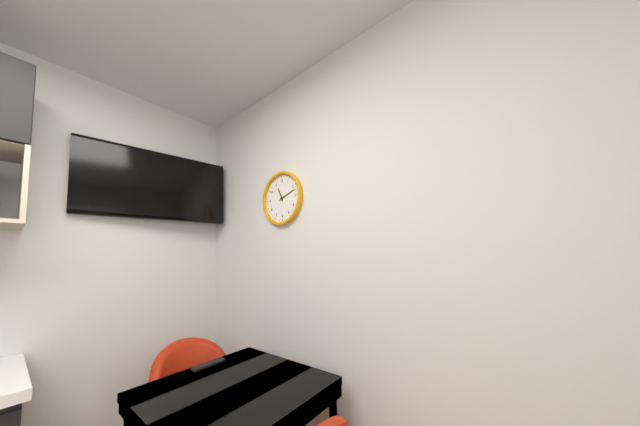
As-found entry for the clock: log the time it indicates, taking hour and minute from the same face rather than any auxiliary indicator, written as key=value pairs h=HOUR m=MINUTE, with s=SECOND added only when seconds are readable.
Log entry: h=11 m=12
